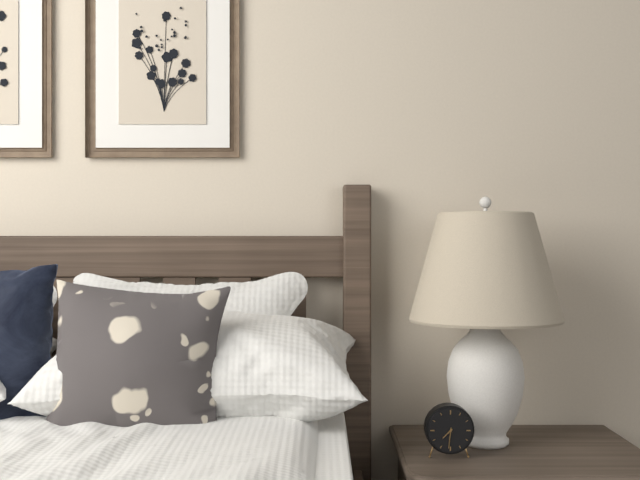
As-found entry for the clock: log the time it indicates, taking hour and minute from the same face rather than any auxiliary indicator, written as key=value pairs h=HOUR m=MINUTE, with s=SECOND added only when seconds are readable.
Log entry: h=7 m=31
